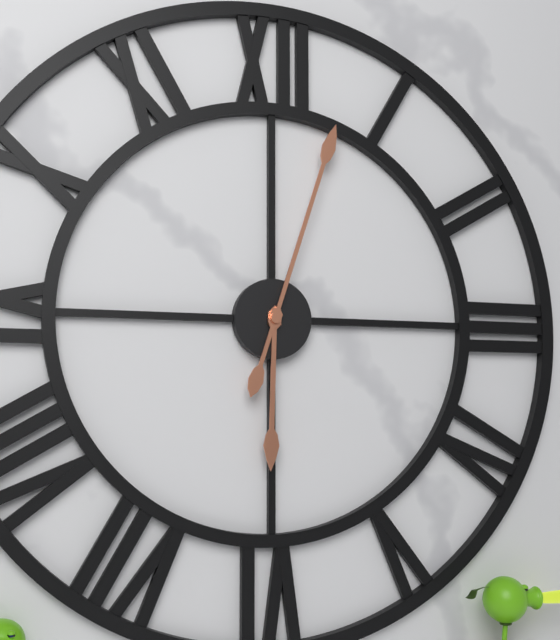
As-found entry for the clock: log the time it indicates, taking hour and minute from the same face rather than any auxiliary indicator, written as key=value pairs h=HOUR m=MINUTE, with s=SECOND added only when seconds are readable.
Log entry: h=6 m=3
